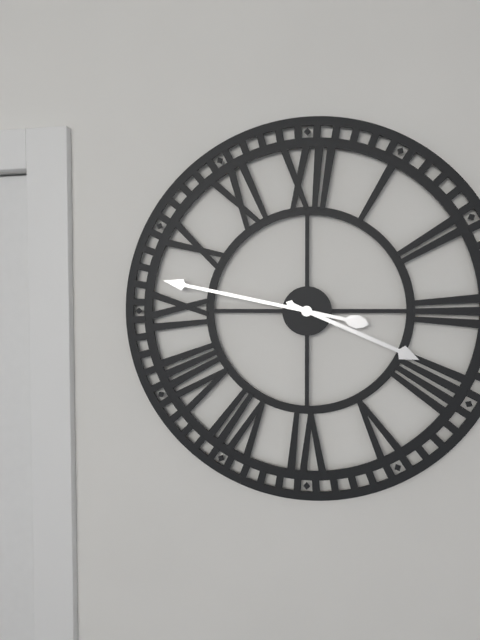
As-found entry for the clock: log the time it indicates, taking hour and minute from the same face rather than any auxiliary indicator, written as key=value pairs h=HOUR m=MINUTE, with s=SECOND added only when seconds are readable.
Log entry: h=3 m=47
